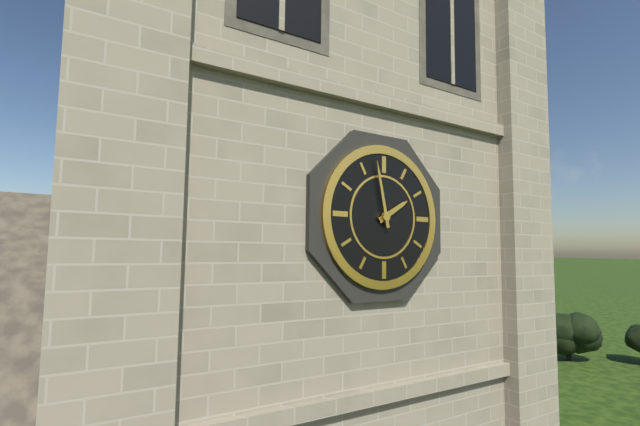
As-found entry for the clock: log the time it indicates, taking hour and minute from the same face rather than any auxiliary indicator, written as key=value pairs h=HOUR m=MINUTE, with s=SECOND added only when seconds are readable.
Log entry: h=1 m=58
